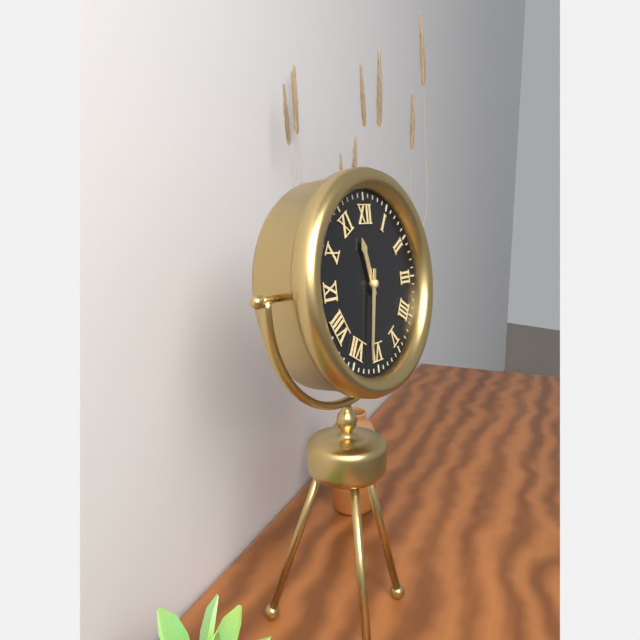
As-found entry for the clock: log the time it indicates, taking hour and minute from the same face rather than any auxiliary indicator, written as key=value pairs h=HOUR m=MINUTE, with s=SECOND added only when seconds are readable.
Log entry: h=11 m=32
